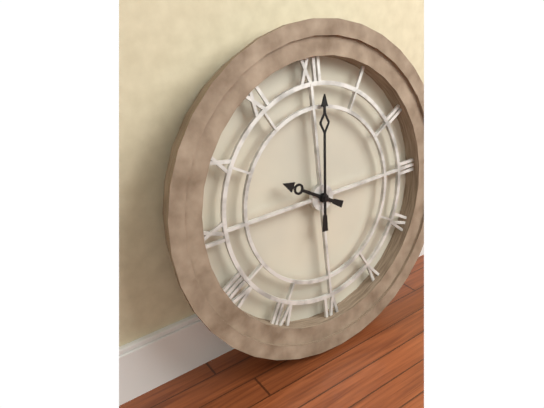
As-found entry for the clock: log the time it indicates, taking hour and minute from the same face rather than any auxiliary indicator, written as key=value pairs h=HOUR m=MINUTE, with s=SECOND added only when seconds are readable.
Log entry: h=10 m=1
